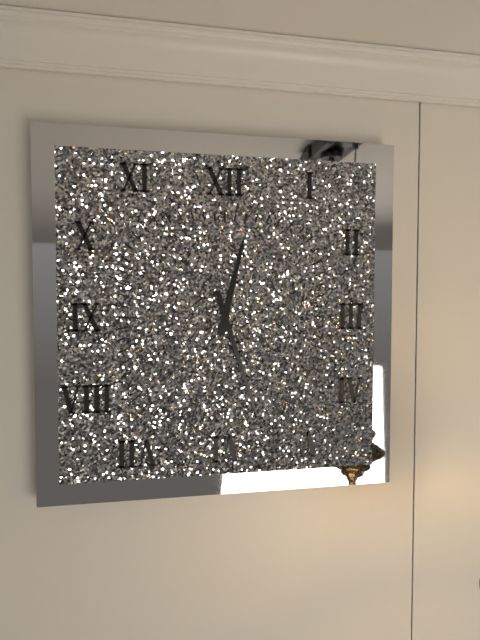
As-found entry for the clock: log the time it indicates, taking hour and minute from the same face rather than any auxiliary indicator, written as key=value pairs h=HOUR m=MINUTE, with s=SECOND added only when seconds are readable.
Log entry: h=12 m=27
